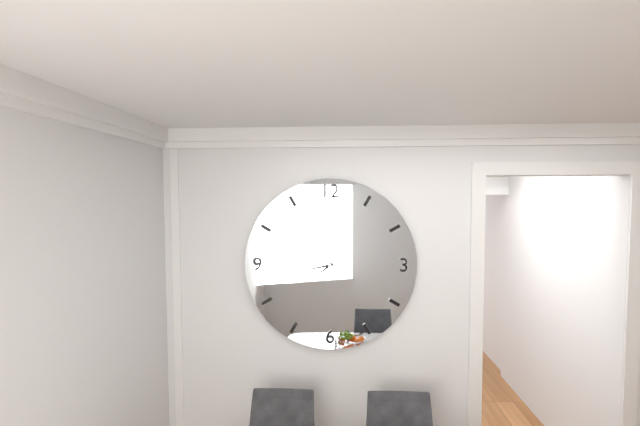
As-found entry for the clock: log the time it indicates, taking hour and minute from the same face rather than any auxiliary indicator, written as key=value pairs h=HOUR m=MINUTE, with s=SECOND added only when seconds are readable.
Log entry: h=7 m=43
